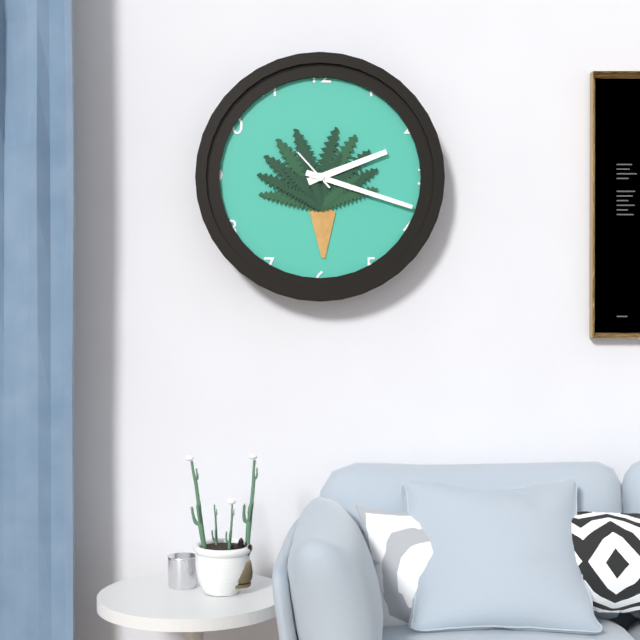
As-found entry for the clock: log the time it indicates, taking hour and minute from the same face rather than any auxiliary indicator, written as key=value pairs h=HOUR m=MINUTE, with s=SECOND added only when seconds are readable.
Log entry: h=2 m=18
